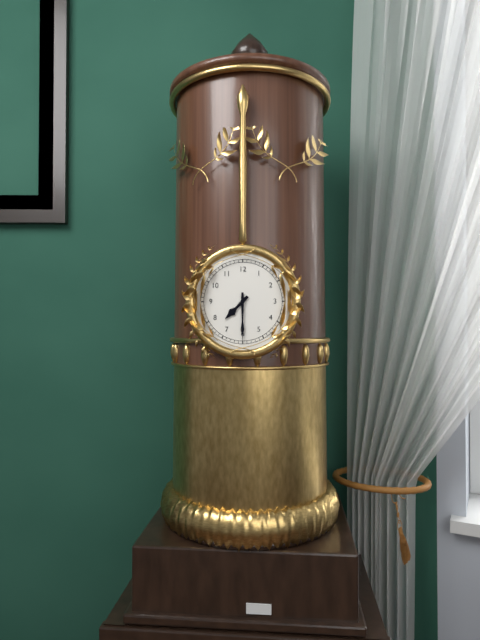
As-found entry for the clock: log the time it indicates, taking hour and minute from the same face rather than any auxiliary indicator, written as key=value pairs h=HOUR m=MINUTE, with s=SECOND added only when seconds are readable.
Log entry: h=7 m=30
